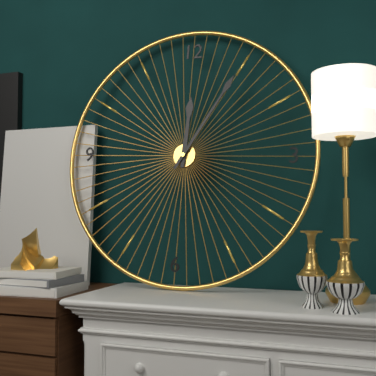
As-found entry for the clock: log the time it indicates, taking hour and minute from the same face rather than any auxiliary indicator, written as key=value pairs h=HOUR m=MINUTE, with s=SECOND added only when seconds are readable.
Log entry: h=12 m=5
